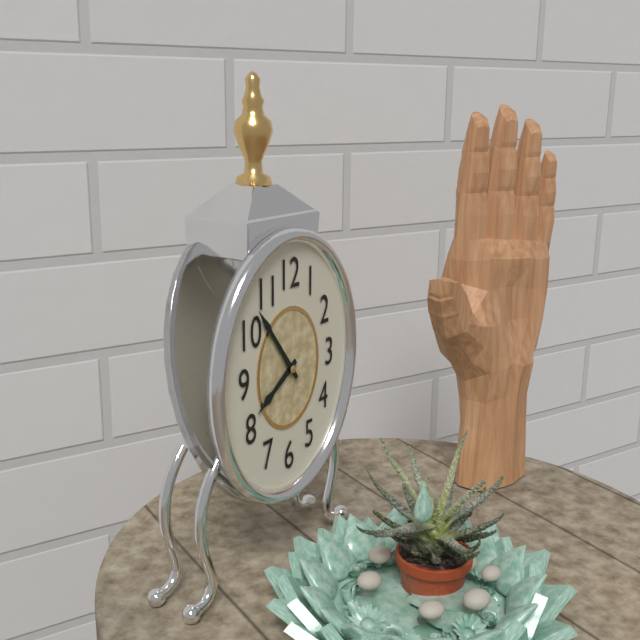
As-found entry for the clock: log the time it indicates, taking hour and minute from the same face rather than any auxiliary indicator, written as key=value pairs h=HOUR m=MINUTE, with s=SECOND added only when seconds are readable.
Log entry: h=7 m=54
